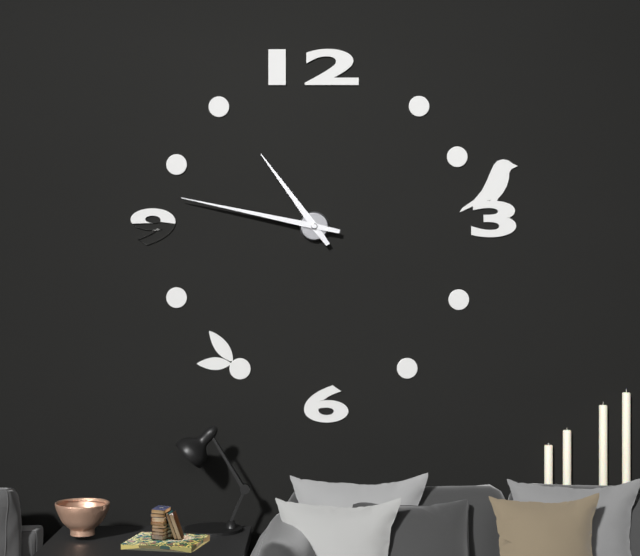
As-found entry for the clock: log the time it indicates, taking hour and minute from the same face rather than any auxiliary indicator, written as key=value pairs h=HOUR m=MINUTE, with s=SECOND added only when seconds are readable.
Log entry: h=10 m=47
